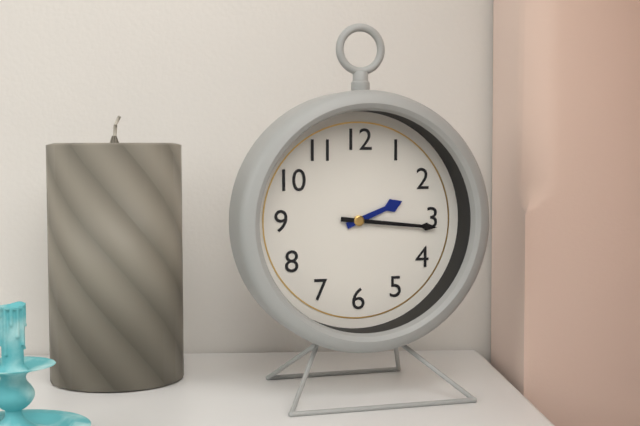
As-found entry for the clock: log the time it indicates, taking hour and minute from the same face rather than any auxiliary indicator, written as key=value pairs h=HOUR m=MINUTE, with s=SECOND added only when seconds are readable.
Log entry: h=2 m=16
